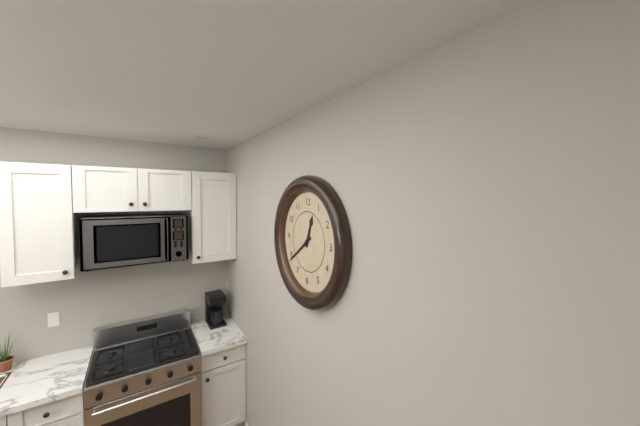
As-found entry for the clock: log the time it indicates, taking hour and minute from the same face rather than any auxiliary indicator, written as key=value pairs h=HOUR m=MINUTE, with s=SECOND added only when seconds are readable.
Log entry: h=12 m=39
